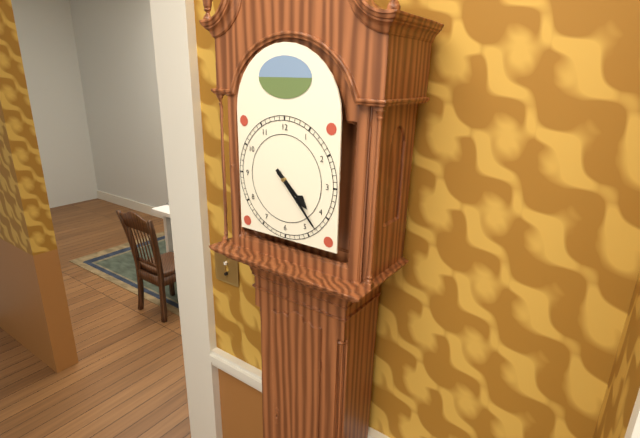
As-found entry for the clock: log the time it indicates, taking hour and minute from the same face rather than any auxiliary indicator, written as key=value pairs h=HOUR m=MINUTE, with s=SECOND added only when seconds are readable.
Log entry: h=4 m=23
